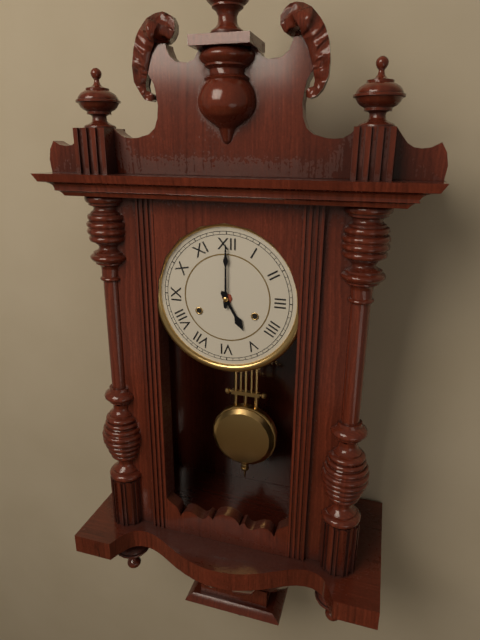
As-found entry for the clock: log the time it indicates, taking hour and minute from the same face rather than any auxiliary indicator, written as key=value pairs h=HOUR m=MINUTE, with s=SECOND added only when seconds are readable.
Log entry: h=5 m=0
